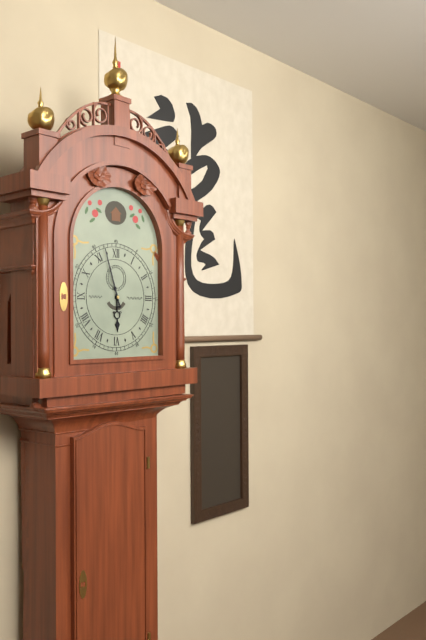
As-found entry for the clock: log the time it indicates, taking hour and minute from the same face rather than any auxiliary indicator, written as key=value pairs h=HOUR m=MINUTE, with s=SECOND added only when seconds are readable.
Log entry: h=5 m=57
